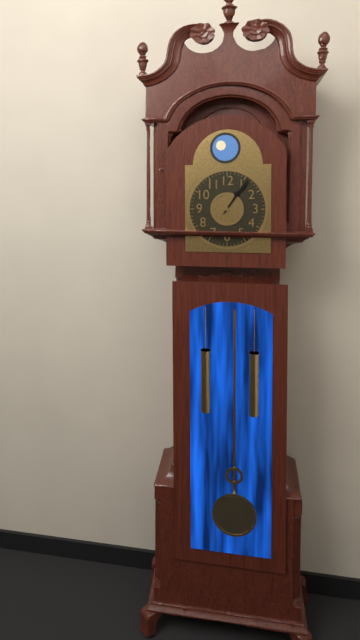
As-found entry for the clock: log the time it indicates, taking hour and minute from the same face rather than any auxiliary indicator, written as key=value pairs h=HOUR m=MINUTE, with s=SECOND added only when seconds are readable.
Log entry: h=1 m=6
